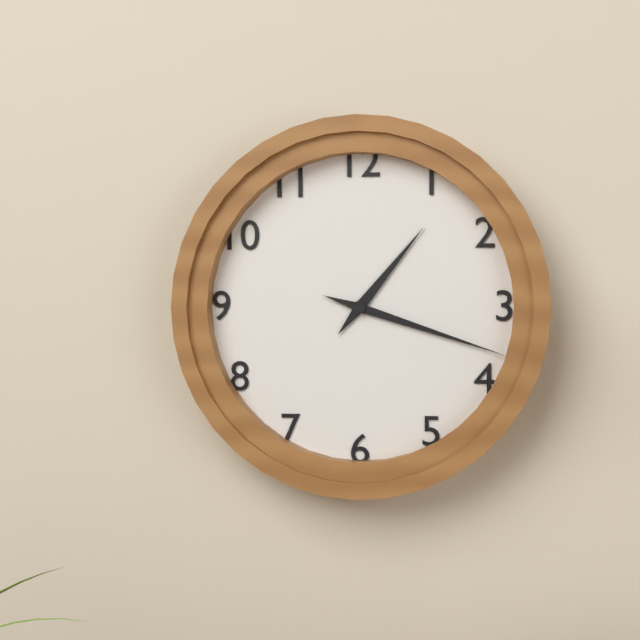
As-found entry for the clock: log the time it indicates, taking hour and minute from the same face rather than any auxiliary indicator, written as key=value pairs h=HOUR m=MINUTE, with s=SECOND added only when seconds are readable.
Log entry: h=1 m=18
